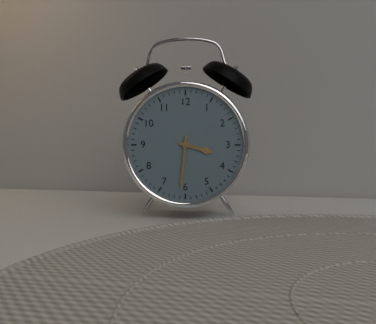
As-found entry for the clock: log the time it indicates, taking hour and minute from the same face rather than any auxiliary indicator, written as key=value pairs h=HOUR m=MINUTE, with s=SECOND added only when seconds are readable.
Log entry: h=3 m=31
